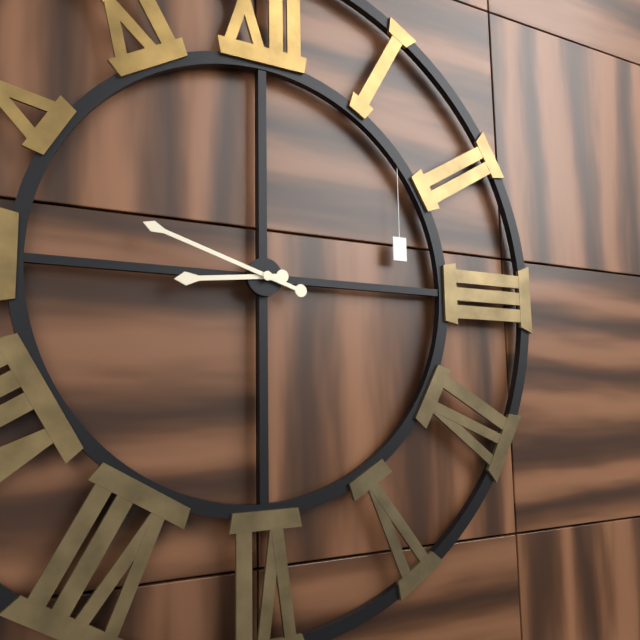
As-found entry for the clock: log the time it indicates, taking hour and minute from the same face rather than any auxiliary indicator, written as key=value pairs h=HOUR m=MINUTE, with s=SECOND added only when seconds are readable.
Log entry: h=8 m=48
